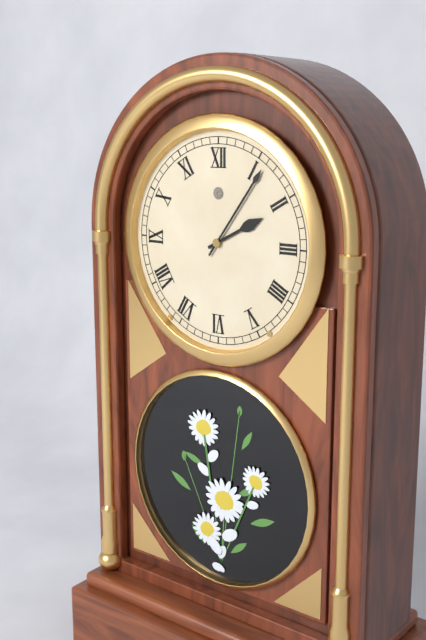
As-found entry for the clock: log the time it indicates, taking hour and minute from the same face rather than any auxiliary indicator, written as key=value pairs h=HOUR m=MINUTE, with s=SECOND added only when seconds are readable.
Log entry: h=2 m=6
